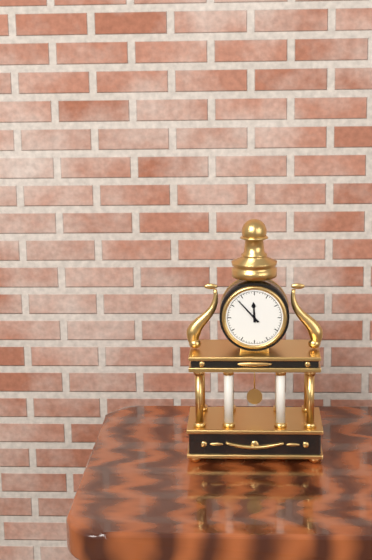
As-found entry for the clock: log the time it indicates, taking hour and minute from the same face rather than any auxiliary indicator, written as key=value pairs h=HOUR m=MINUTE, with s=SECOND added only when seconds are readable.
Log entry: h=11 m=53
